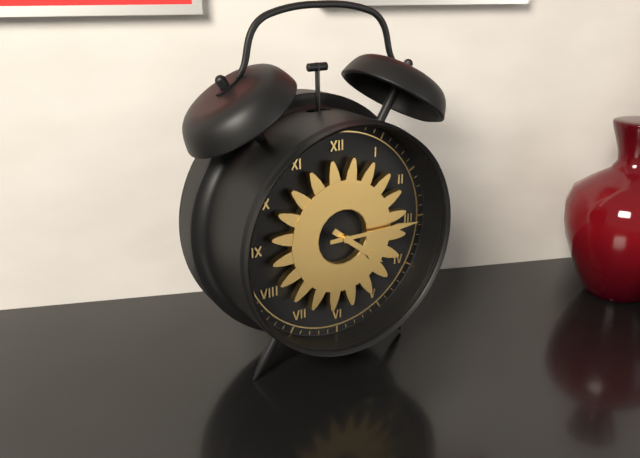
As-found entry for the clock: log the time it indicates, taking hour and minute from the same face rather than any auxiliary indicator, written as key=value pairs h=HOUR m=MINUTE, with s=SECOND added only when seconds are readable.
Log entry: h=4 m=15
